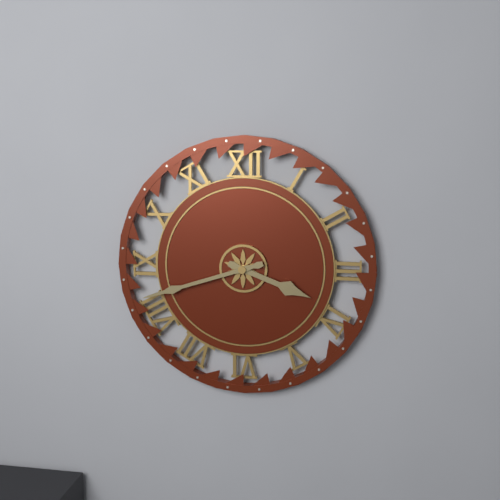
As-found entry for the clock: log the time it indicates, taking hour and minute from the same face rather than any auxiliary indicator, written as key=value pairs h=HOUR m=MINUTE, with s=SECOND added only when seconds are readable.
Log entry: h=3 m=42
